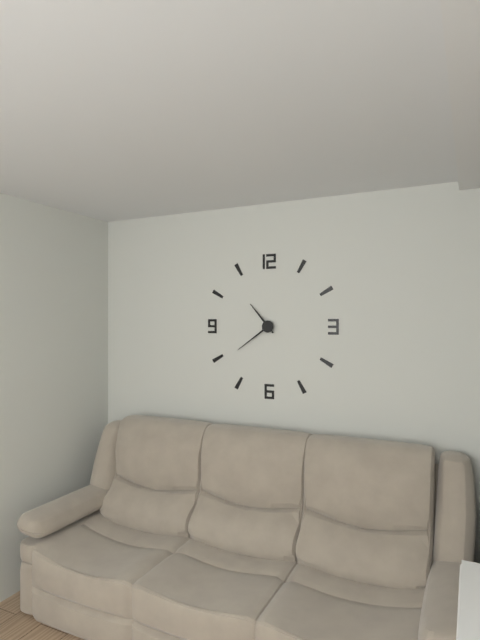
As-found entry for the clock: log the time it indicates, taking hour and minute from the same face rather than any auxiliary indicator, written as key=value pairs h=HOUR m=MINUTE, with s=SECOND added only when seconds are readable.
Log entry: h=10 m=39
